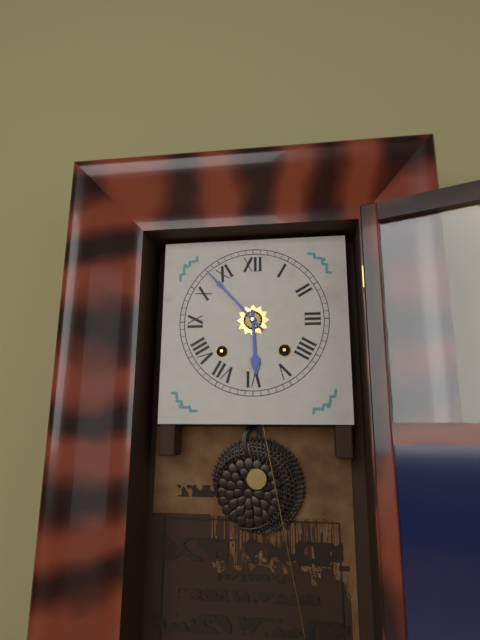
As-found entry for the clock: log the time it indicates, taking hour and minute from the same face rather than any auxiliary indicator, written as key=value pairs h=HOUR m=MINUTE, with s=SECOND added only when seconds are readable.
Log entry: h=5 m=53
